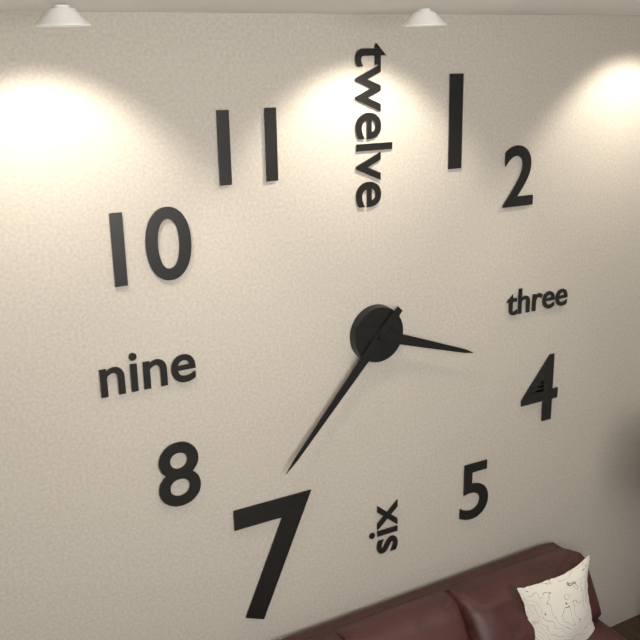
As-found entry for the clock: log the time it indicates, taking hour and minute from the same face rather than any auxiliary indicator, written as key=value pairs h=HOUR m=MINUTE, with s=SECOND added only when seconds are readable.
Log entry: h=3 m=37
